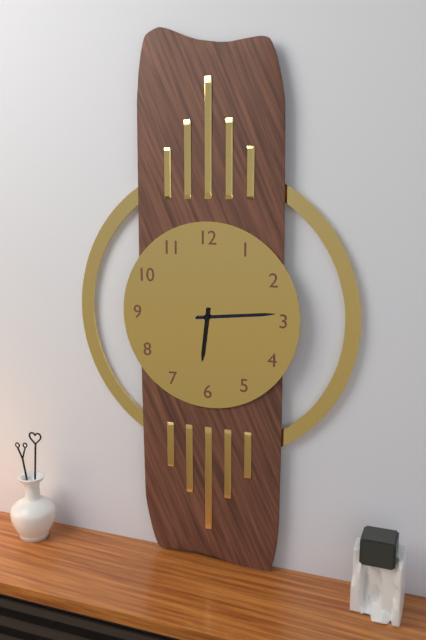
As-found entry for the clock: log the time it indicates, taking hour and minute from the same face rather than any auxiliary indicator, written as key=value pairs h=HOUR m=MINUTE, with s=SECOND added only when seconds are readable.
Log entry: h=6 m=14
